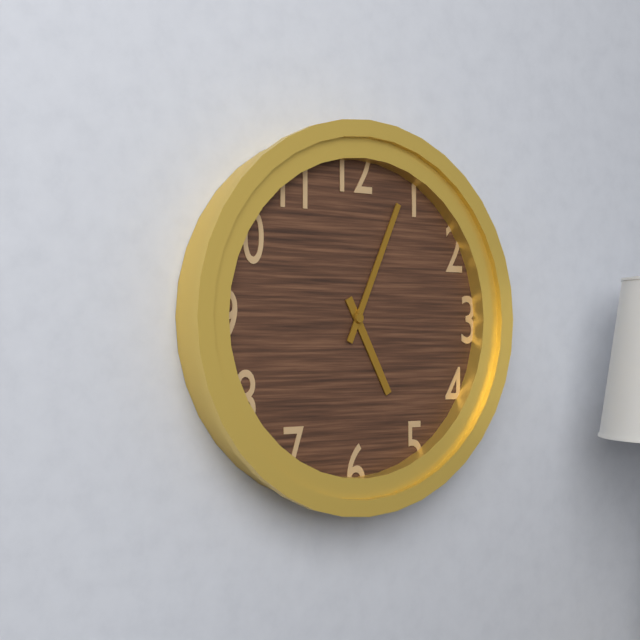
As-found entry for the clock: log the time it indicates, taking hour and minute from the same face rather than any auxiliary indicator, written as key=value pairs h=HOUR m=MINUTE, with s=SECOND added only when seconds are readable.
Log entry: h=5 m=4
